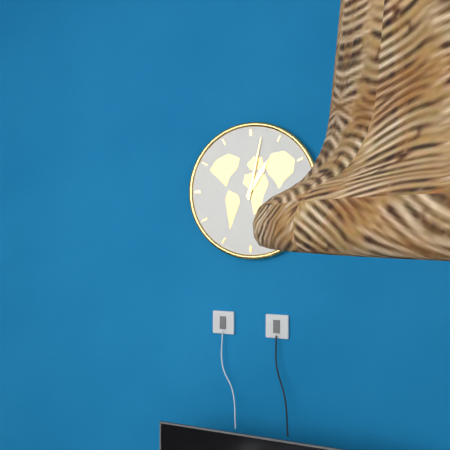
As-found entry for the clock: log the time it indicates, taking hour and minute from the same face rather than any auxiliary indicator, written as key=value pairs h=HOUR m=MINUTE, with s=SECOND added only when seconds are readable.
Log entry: h=1 m=2
